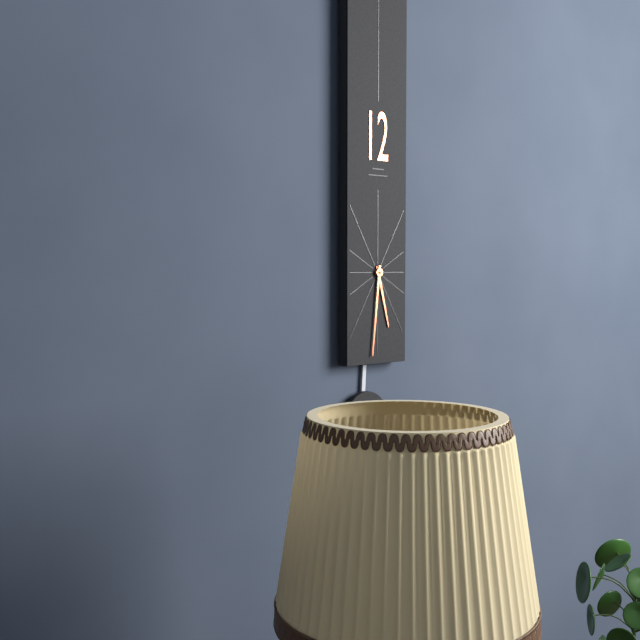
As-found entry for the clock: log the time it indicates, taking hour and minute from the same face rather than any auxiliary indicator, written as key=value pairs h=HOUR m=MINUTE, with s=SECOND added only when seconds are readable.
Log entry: h=5 m=31
